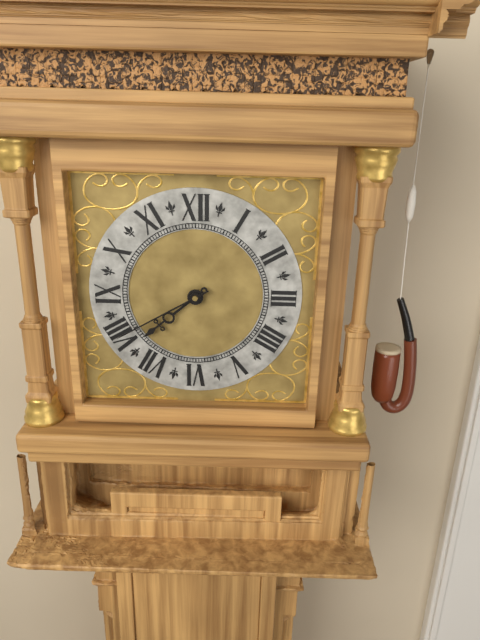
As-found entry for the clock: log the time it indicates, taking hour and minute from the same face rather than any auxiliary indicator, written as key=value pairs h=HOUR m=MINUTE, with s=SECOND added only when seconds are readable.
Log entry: h=7 m=40
